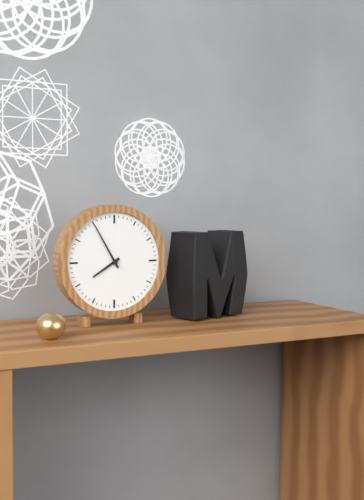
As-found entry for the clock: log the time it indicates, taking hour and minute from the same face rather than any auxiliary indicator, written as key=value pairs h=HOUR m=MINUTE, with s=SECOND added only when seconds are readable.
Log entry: h=7 m=55
